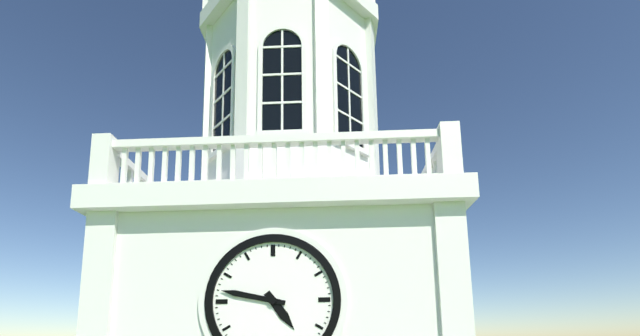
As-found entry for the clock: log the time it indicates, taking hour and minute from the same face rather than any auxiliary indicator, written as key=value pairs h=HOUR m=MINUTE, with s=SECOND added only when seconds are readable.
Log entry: h=4 m=47
